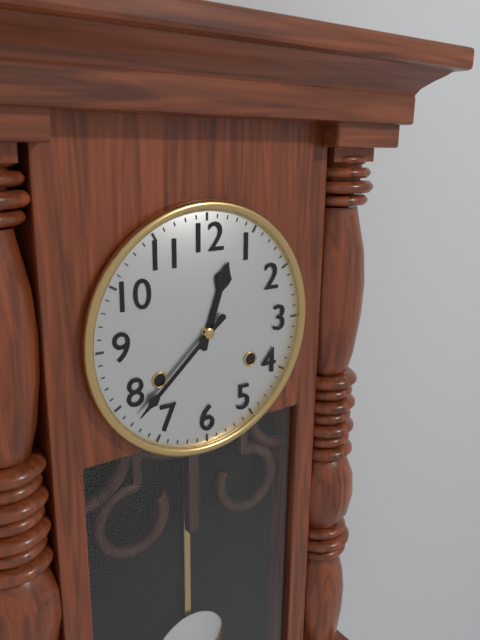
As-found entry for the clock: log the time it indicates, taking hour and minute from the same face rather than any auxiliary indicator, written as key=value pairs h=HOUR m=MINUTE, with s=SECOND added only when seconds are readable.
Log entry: h=12 m=38
